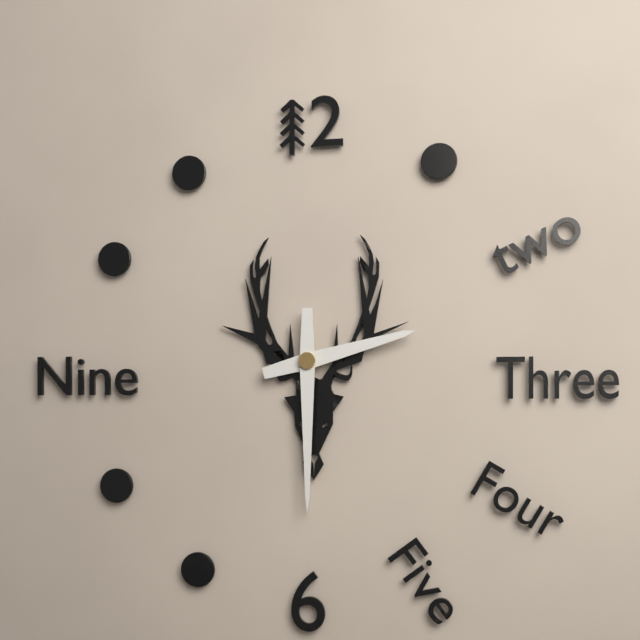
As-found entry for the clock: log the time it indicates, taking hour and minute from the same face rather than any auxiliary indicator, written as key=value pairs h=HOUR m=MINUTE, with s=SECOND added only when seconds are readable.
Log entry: h=2 m=30
